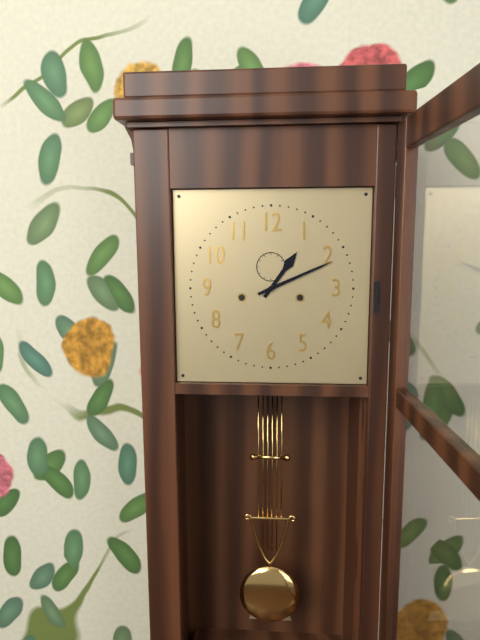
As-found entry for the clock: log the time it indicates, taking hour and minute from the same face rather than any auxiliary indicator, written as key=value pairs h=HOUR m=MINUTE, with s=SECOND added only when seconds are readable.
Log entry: h=1 m=11
